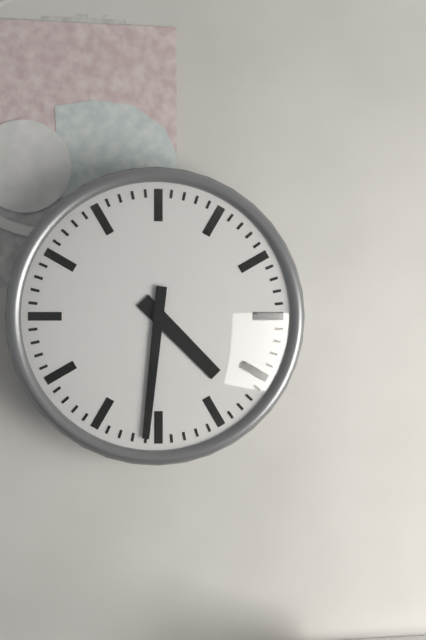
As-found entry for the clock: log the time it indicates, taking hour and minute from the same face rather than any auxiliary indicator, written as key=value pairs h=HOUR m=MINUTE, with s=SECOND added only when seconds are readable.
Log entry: h=4 m=31
